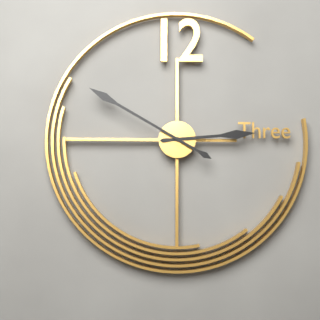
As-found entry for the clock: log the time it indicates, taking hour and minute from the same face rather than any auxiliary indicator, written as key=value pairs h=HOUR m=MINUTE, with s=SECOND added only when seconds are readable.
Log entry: h=2 m=50
